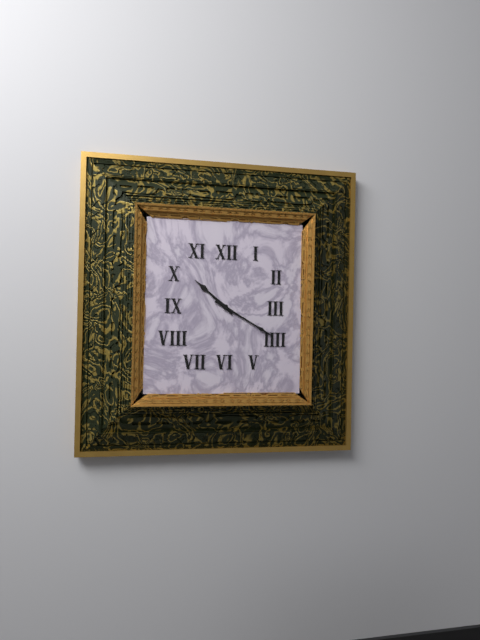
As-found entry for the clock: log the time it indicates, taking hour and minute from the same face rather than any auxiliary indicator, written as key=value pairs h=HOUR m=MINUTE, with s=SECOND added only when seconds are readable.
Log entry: h=10 m=20
